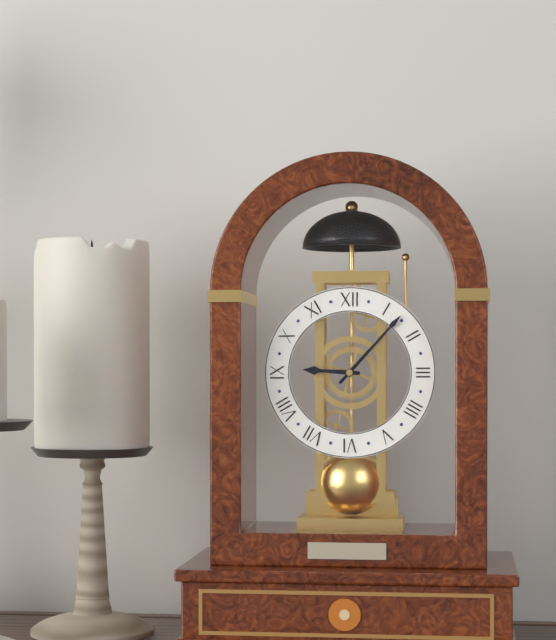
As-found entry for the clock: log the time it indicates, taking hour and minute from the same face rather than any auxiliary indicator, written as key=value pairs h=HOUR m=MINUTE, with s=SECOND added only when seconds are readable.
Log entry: h=9 m=7
